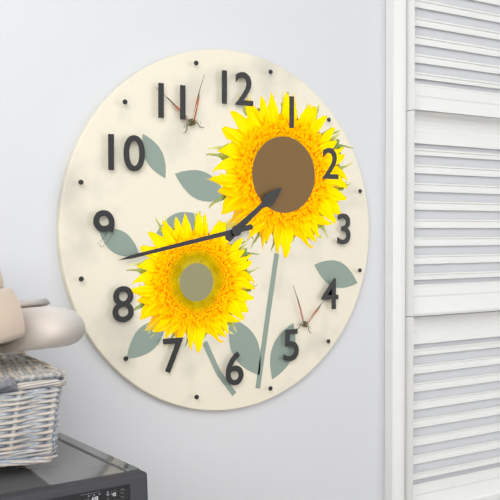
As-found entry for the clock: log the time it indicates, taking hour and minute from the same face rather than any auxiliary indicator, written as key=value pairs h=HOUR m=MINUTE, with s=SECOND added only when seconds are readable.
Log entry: h=1 m=43
